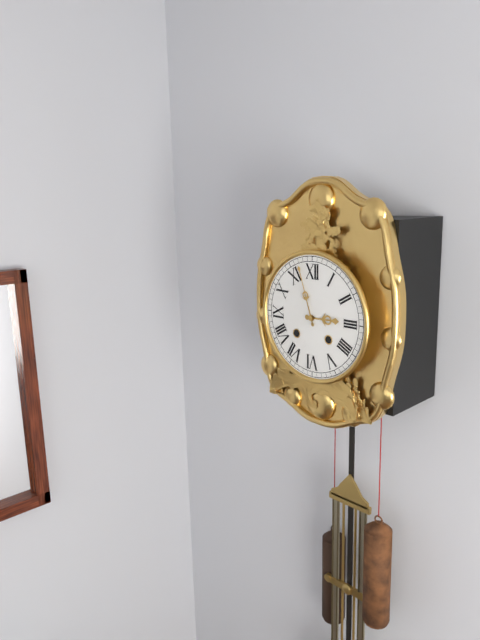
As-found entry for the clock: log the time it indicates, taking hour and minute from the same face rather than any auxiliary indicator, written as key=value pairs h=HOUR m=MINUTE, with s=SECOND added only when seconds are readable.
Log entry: h=2 m=57
